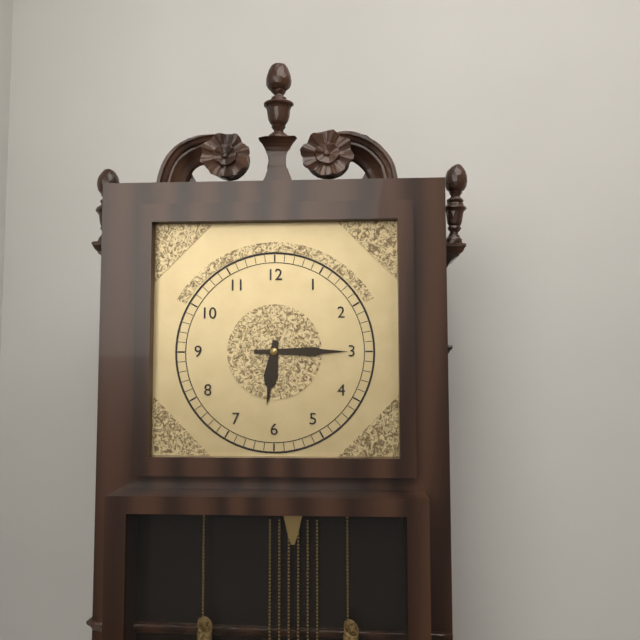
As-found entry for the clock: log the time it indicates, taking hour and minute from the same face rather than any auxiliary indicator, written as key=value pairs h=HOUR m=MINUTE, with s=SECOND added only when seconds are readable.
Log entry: h=6 m=15
